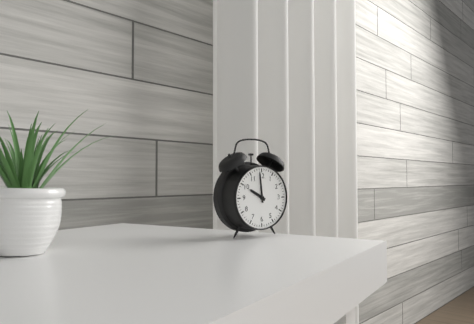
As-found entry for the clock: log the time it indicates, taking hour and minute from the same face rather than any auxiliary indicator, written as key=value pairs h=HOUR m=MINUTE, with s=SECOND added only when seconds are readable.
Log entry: h=9 m=59
